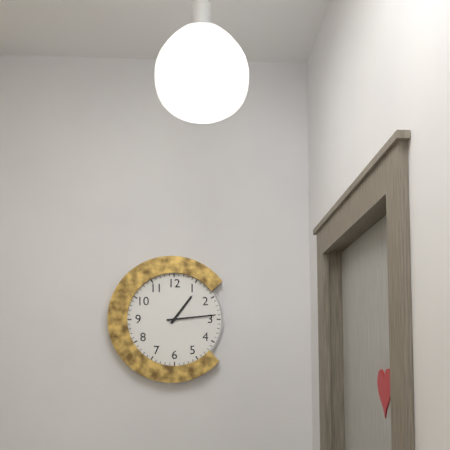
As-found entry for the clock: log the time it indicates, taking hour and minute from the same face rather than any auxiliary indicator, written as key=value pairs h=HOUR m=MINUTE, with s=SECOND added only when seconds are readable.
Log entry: h=1 m=14
